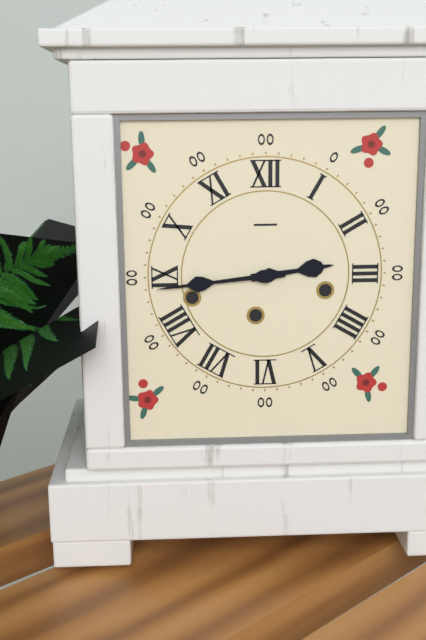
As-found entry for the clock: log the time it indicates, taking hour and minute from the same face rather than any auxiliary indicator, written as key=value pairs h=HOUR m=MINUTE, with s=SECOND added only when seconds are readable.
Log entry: h=2 m=44
